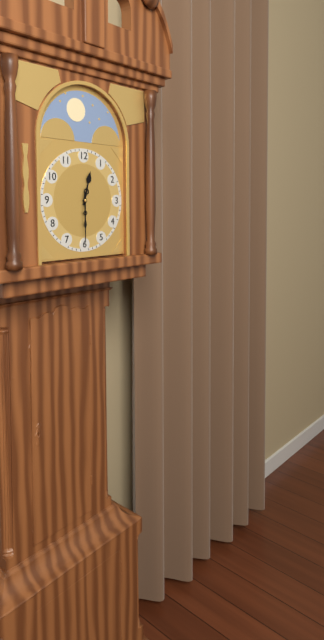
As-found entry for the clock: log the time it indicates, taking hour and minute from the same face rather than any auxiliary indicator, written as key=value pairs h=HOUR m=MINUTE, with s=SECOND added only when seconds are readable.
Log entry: h=12 m=30
